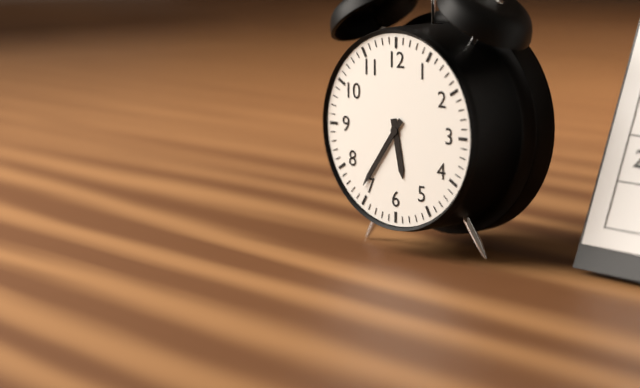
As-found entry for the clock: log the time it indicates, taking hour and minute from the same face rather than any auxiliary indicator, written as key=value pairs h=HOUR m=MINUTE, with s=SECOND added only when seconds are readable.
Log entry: h=5 m=36
